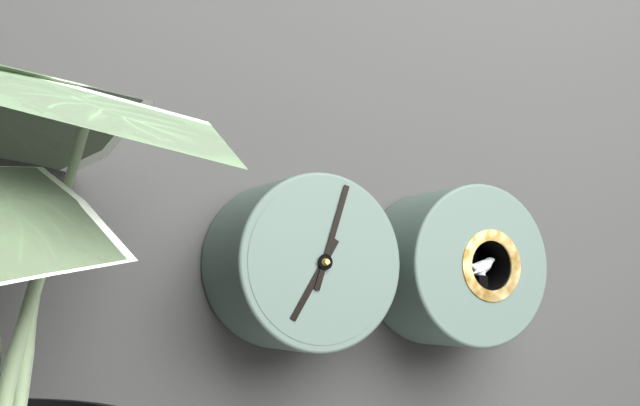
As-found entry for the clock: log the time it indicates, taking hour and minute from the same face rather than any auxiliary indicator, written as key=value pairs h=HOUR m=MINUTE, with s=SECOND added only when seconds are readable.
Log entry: h=7 m=3
